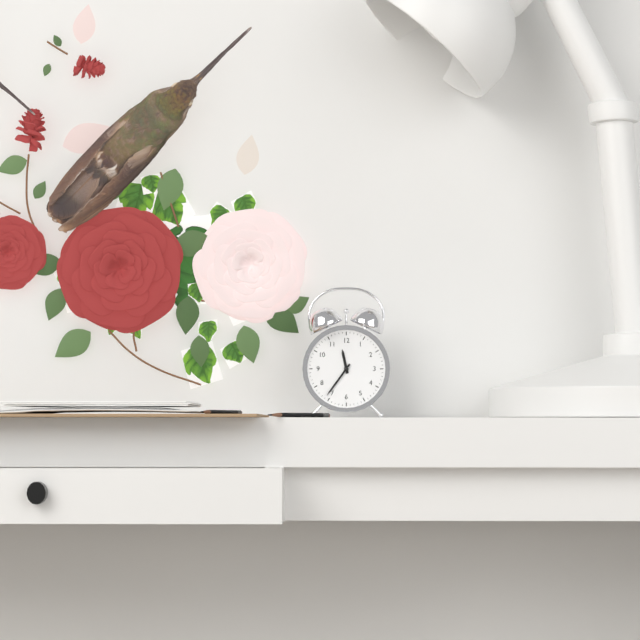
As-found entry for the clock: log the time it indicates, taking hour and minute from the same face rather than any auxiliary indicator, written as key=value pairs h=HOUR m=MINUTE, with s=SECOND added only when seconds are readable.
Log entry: h=11 m=36
